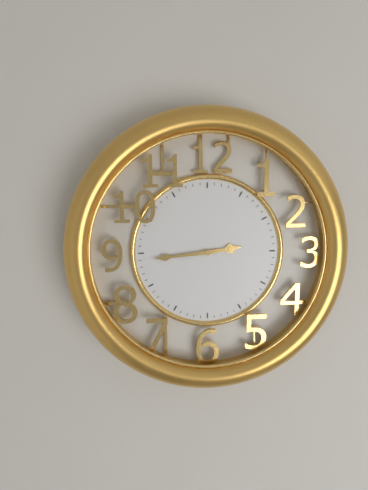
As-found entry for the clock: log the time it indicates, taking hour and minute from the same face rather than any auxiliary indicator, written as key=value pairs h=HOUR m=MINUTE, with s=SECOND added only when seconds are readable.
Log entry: h=2 m=44
